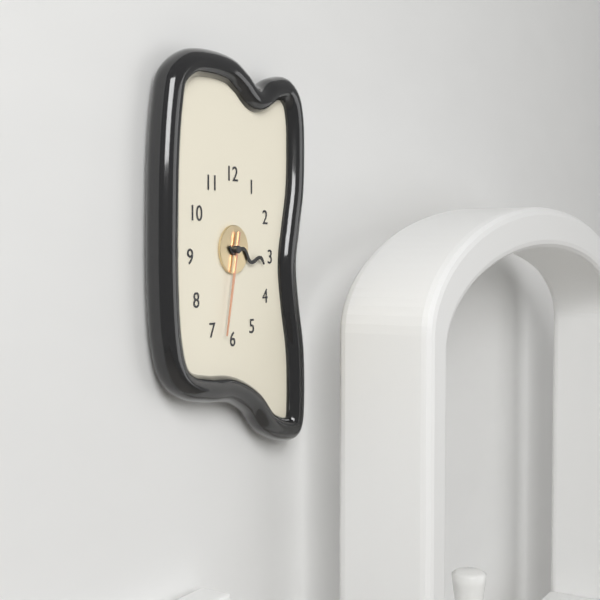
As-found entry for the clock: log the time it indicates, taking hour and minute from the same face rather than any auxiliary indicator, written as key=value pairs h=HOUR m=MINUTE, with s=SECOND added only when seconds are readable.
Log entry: h=3 m=32
